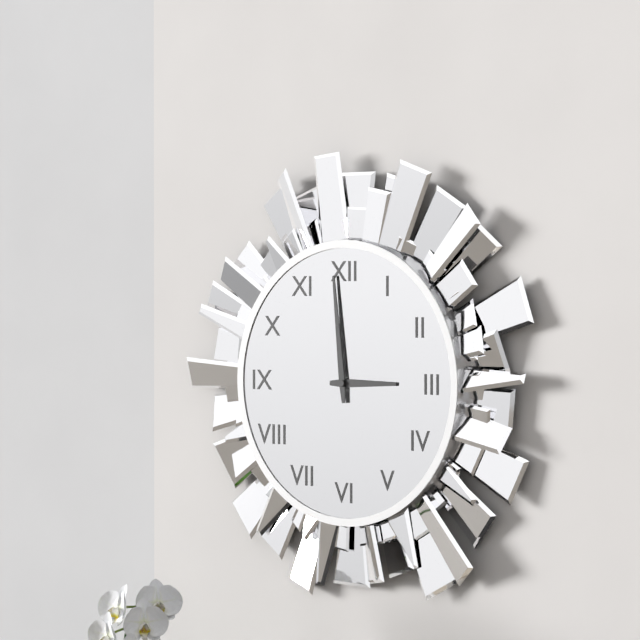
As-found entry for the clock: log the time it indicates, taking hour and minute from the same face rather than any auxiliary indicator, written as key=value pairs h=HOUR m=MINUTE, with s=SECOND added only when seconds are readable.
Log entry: h=2 m=59
